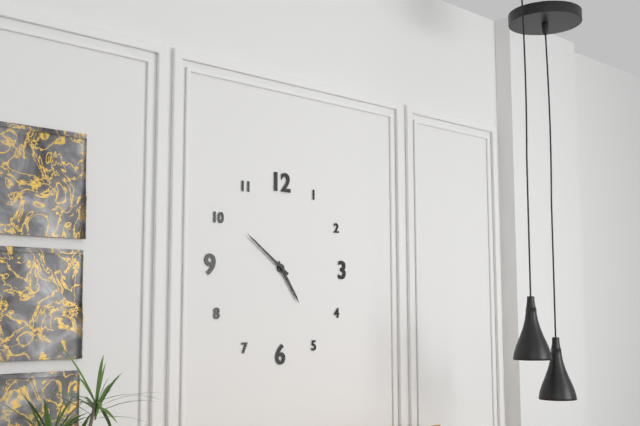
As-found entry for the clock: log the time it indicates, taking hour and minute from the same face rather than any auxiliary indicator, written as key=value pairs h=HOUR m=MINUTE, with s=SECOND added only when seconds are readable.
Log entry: h=4 m=51
